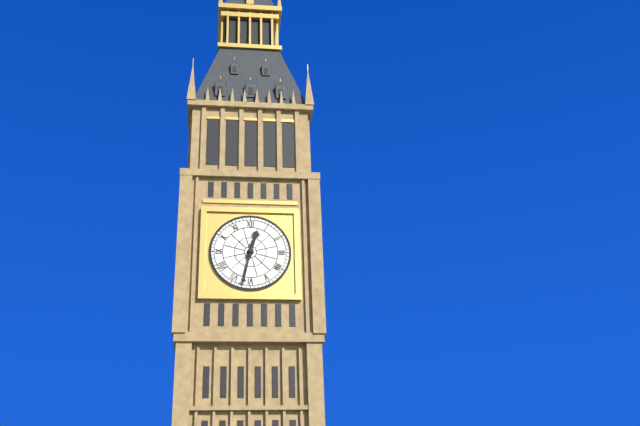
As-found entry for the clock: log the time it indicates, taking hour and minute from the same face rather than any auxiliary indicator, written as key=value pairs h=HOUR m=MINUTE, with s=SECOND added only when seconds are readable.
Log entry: h=12 m=32
